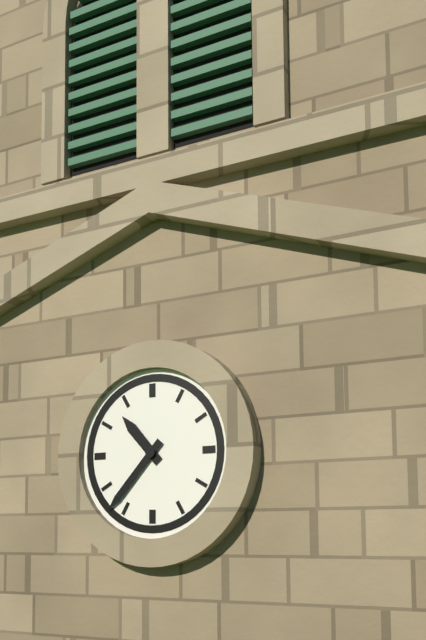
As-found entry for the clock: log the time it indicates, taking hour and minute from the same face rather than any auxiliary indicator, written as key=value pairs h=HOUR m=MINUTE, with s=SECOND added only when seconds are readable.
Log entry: h=10 m=37
